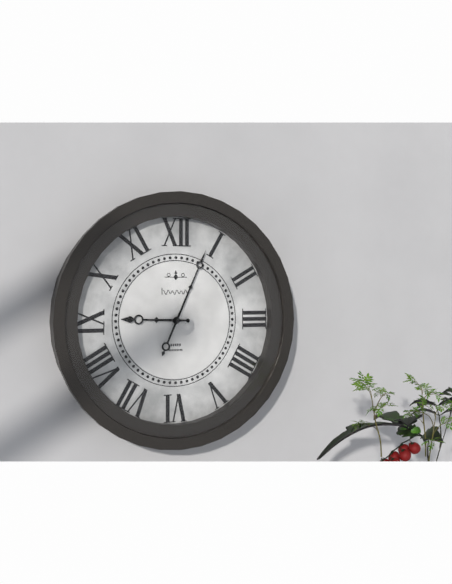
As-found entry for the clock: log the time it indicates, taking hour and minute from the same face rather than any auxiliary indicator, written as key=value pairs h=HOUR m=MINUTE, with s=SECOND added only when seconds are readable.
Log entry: h=9 m=4
